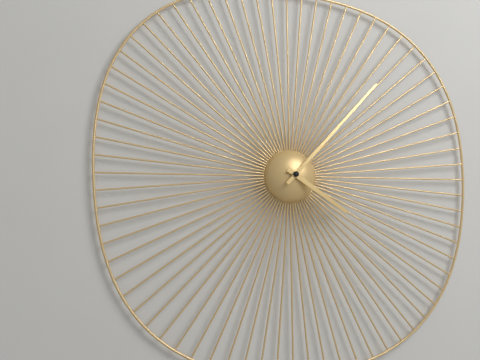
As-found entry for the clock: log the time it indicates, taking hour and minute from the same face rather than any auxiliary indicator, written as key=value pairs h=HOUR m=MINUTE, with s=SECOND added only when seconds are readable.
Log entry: h=4 m=7
